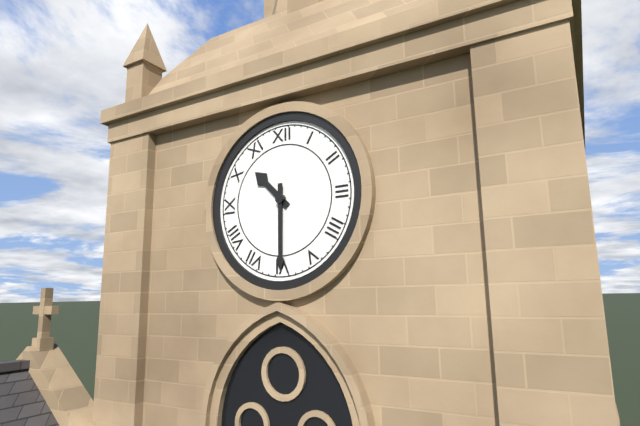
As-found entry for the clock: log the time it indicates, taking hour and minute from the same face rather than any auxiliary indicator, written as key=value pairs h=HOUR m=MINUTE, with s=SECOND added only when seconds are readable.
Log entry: h=10 m=30
